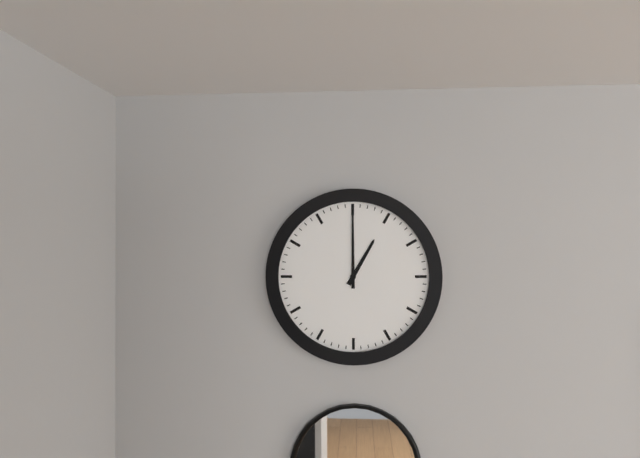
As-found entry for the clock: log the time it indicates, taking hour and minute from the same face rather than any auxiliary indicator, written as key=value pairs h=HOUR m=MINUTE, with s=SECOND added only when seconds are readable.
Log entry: h=1 m=0
